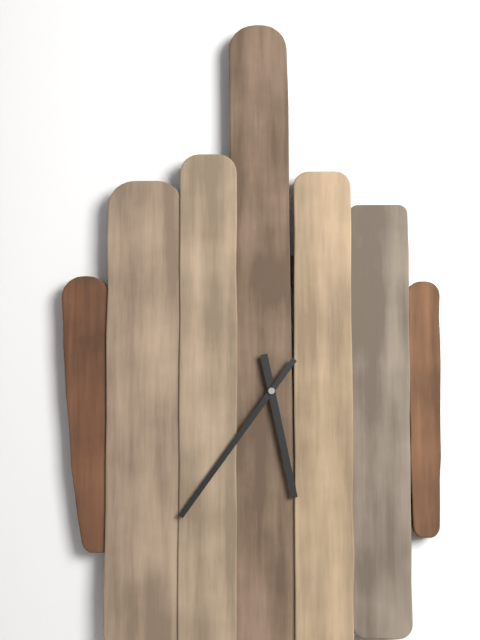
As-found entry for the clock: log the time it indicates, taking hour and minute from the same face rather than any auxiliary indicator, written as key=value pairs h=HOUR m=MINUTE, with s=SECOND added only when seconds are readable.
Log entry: h=5 m=36
